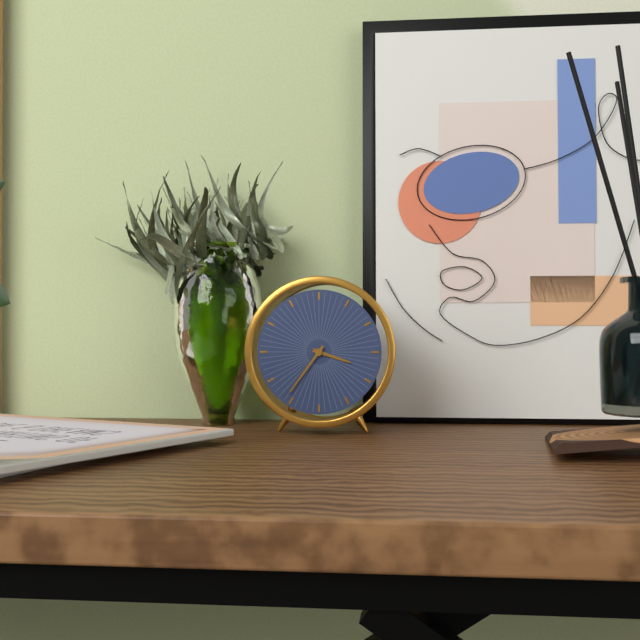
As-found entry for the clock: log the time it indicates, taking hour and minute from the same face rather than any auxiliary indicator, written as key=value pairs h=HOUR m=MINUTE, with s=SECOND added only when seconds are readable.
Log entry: h=3 m=36
